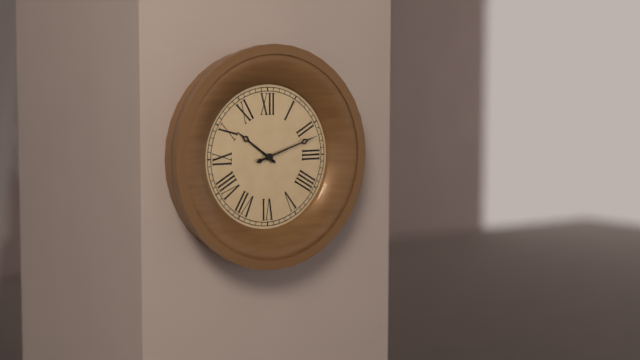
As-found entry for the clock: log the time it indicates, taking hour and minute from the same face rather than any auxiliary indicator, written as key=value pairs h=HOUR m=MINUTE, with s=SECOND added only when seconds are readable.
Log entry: h=10 m=12
